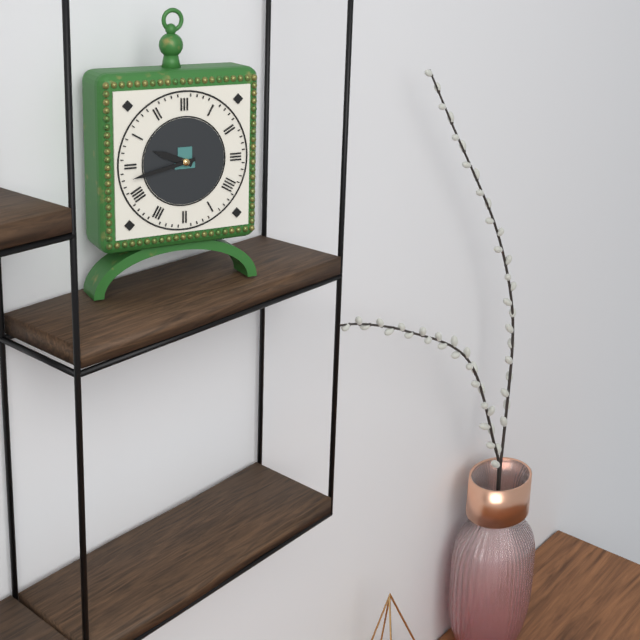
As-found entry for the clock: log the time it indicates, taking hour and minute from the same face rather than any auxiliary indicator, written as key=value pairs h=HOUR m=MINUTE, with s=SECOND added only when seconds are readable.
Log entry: h=9 m=43
